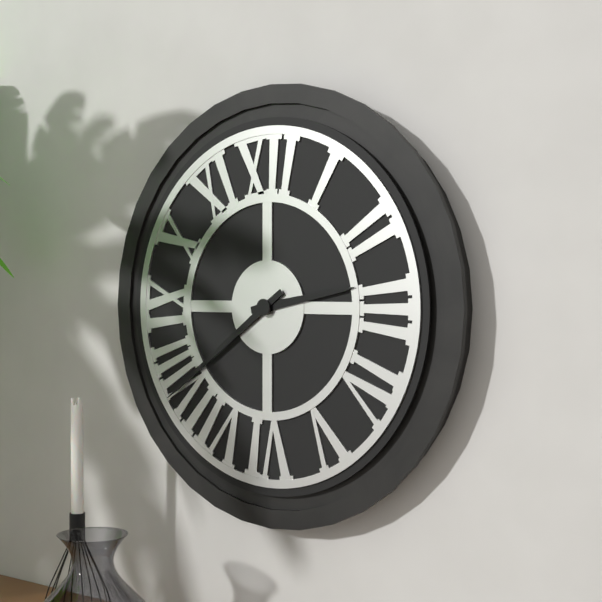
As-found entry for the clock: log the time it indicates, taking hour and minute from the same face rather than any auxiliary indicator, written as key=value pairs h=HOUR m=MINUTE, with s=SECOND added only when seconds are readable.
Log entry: h=2 m=39
